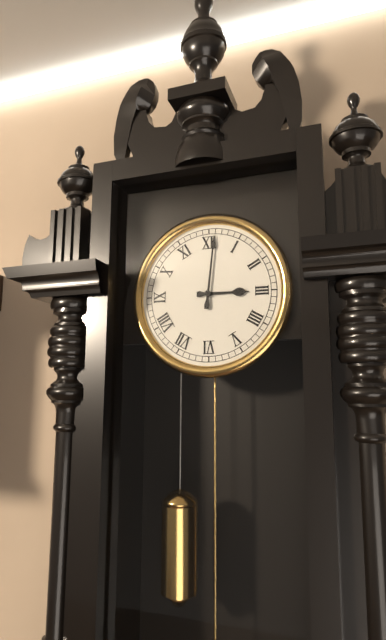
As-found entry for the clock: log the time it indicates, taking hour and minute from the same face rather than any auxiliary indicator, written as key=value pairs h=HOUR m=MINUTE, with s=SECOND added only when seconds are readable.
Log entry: h=3 m=1
